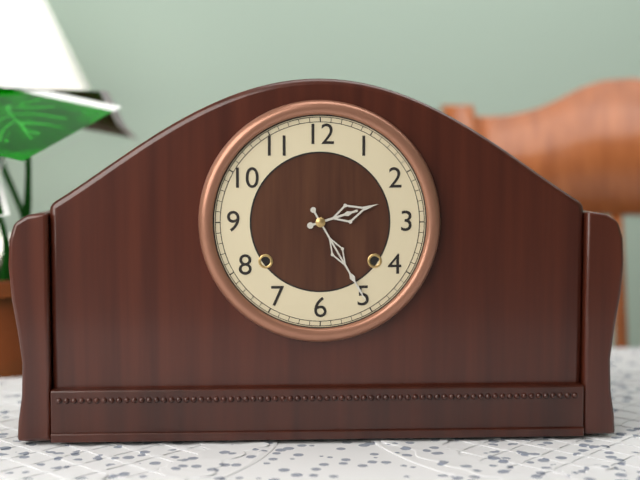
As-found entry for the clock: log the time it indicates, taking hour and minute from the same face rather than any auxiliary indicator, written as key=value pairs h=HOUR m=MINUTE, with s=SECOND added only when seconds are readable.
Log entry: h=2 m=25
